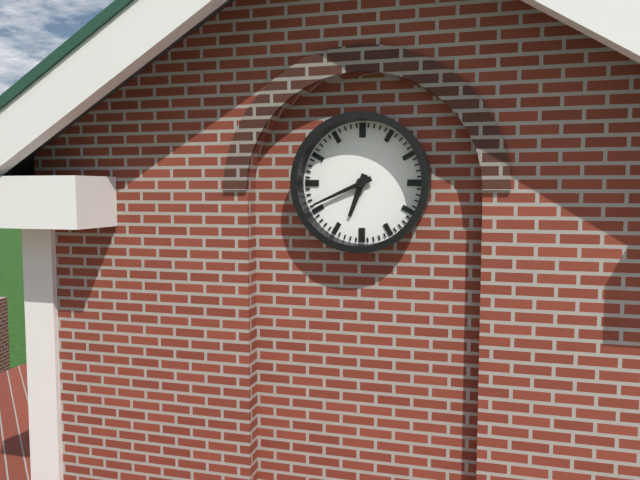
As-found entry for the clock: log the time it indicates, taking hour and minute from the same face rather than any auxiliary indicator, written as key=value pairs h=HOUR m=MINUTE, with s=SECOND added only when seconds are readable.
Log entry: h=6 m=41
